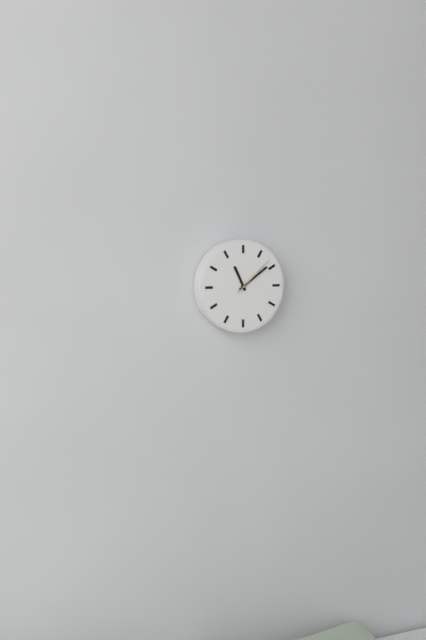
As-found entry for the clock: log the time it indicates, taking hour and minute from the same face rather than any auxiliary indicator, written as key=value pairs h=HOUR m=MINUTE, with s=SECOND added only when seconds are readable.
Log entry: h=11 m=9
